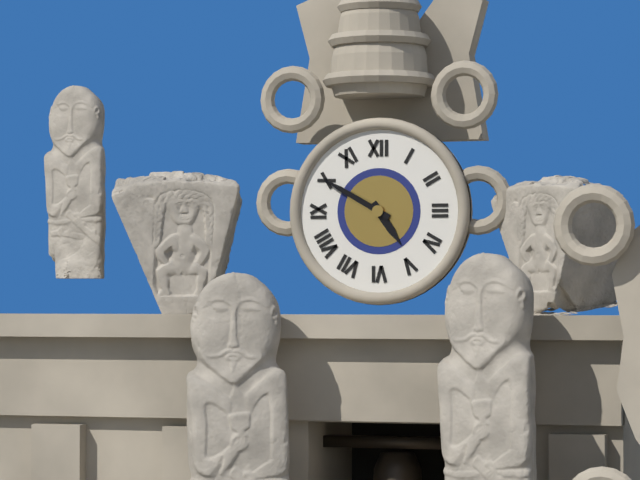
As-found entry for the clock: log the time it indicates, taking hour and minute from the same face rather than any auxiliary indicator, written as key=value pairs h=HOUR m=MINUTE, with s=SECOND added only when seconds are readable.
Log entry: h=4 m=50
